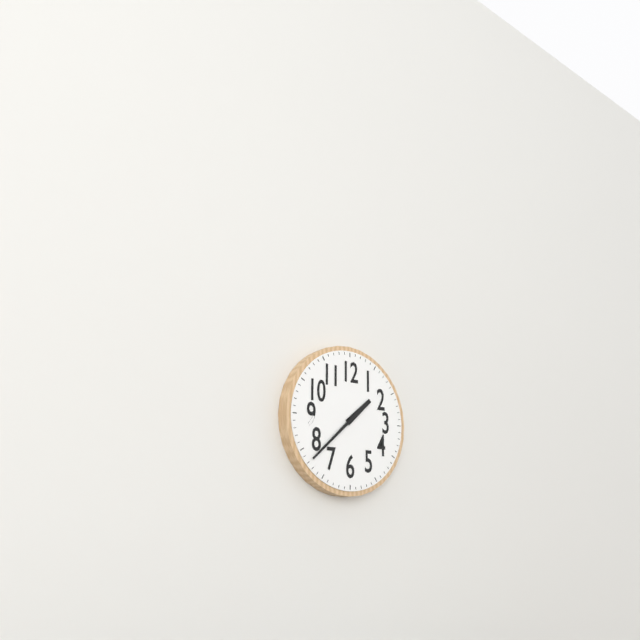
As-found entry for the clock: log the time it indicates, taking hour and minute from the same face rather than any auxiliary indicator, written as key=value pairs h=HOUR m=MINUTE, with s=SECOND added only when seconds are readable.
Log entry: h=1 m=38
